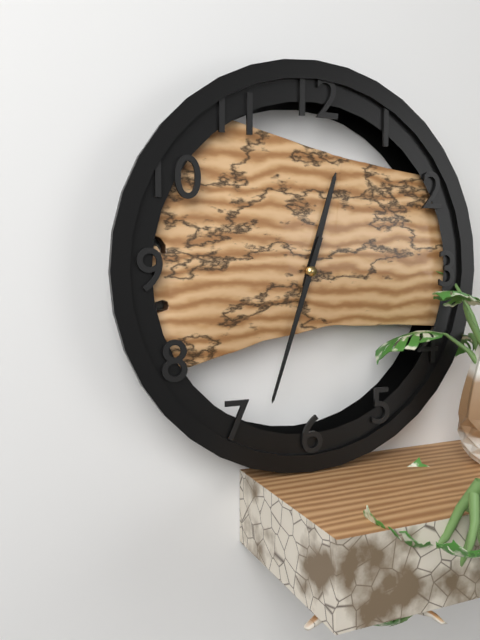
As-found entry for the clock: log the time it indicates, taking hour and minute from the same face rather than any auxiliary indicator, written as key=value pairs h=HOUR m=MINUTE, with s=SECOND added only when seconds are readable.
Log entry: h=12 m=33
